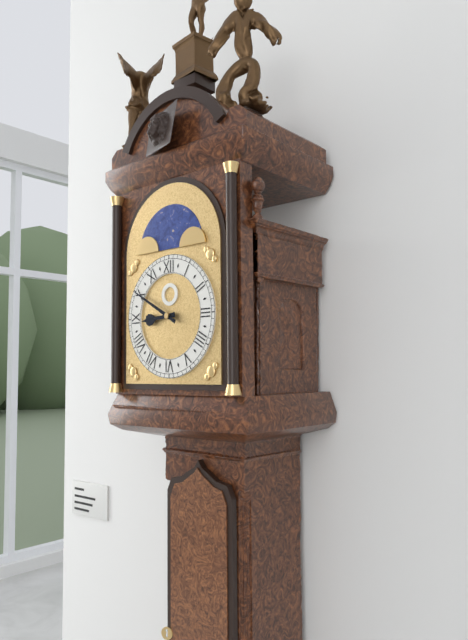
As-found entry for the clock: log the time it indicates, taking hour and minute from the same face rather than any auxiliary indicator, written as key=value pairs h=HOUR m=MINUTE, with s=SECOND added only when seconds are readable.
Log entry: h=8 m=50
